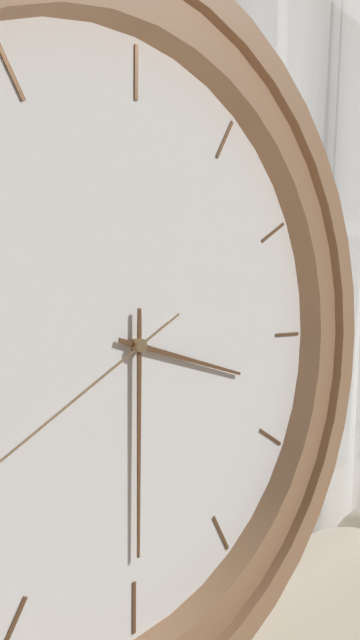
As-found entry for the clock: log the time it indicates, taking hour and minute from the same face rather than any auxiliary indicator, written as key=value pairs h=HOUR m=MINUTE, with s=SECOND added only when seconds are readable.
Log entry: h=3 m=30
